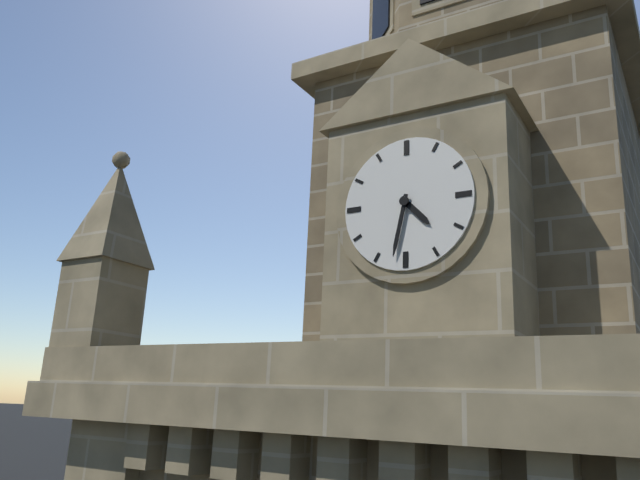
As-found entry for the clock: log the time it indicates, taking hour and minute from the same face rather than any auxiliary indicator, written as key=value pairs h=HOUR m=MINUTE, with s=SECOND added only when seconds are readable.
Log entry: h=4 m=32
